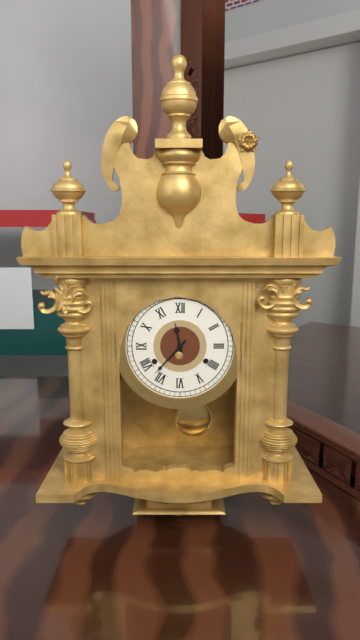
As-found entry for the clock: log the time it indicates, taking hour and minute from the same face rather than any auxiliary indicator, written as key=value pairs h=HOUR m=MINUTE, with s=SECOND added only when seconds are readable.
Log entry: h=11 m=37
